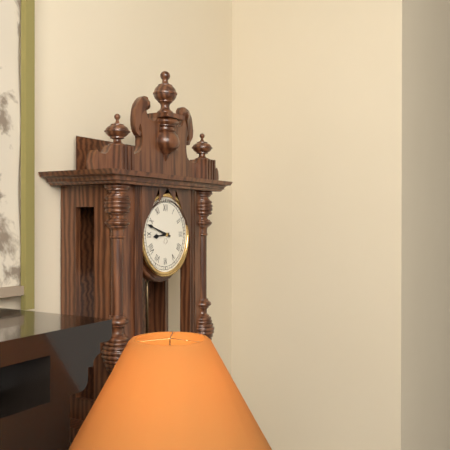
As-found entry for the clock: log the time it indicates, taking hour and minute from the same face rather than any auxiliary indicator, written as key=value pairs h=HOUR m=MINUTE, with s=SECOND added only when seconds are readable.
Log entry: h=8 m=48
